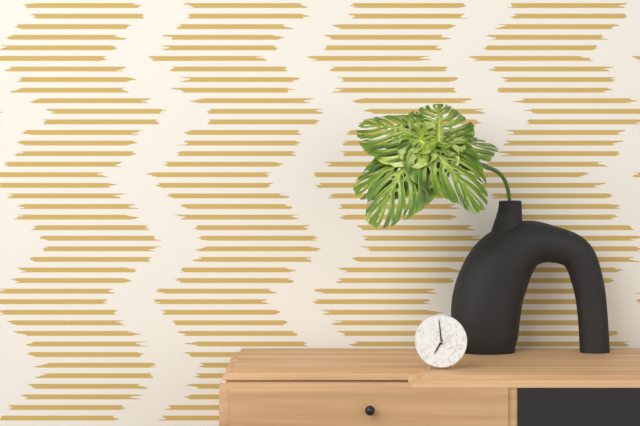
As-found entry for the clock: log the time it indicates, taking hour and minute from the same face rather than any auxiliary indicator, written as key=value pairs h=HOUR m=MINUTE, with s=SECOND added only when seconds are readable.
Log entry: h=6 m=59
